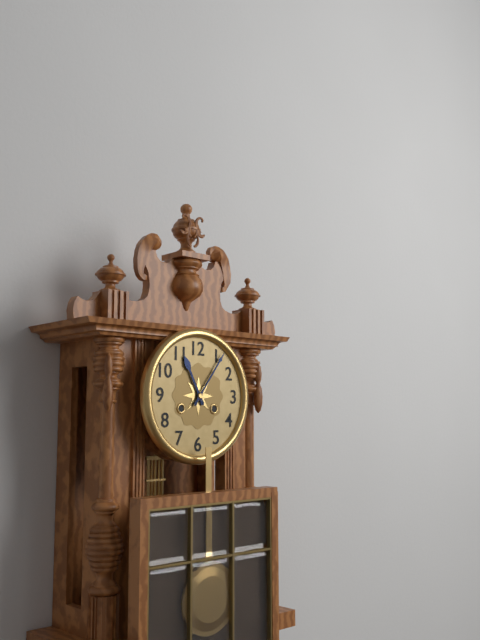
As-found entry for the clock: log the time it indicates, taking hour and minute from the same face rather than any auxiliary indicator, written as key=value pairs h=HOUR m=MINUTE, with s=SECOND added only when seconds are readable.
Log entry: h=11 m=6
